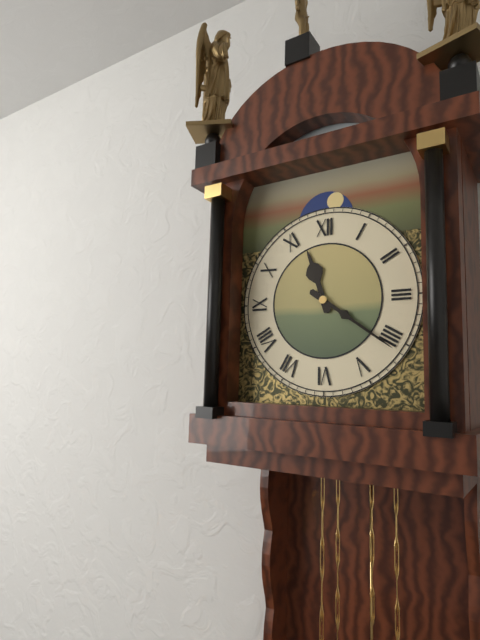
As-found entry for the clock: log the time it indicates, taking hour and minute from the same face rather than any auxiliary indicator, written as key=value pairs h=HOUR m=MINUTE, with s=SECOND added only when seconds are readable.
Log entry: h=11 m=21
